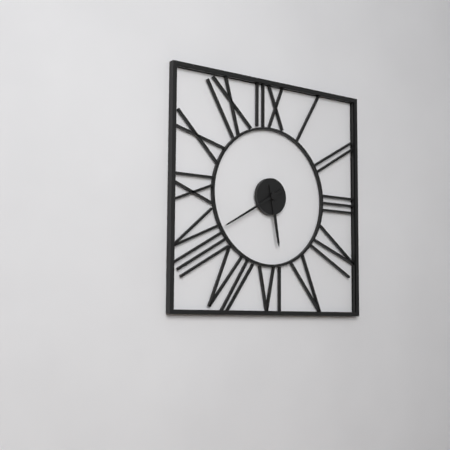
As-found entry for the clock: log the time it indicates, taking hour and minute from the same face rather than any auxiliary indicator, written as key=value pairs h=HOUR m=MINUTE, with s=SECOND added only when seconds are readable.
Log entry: h=5 m=40
